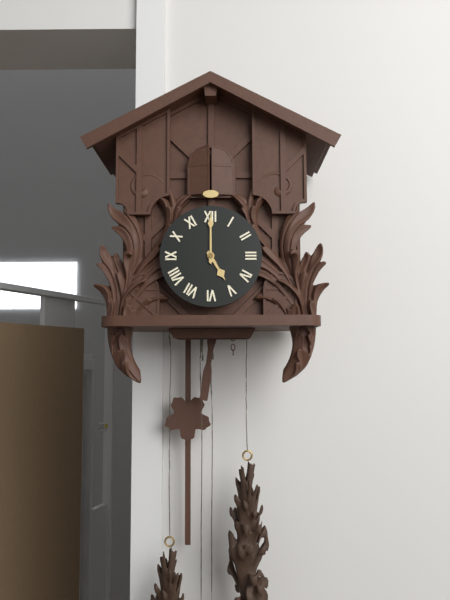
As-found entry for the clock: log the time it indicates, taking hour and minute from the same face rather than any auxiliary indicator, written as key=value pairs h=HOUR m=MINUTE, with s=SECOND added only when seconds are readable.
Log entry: h=5 m=0
